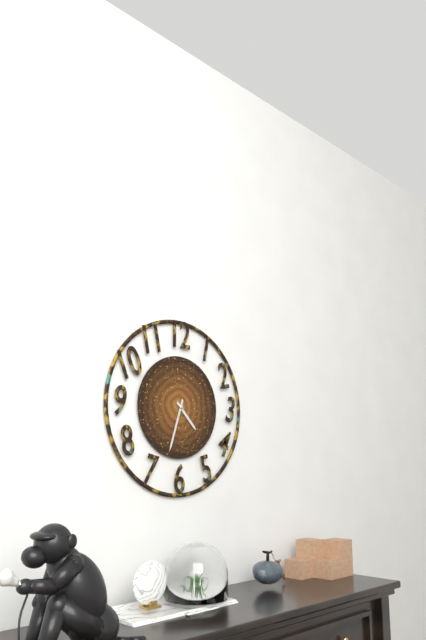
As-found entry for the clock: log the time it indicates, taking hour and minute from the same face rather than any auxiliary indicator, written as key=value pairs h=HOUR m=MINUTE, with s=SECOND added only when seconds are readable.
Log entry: h=4 m=33
